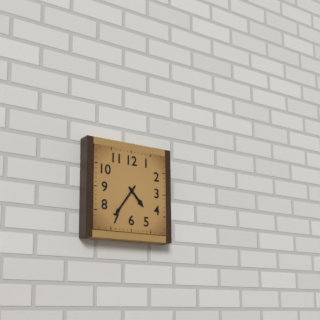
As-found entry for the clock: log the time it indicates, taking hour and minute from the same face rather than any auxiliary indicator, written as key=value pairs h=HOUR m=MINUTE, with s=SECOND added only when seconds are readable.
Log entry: h=4 m=36
